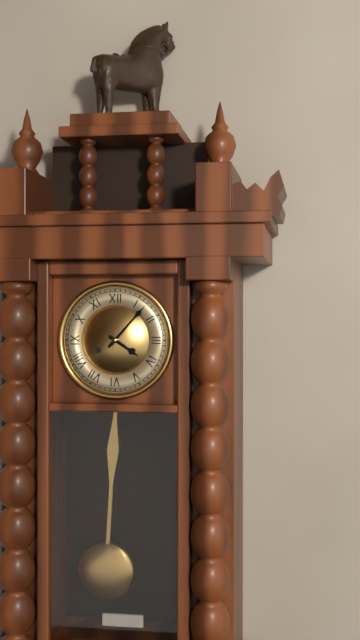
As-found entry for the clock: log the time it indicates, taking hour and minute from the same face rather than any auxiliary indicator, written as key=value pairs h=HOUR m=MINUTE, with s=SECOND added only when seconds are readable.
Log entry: h=4 m=7
